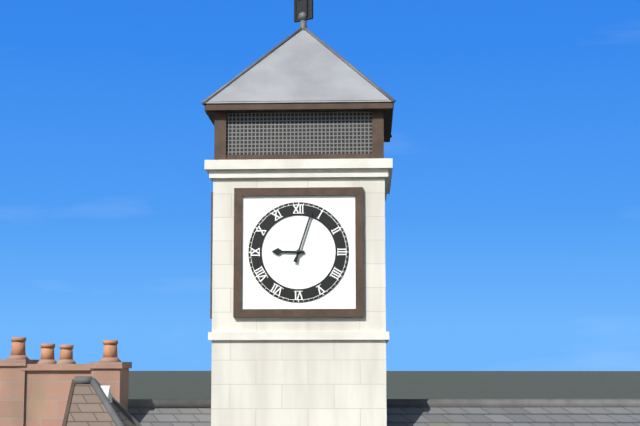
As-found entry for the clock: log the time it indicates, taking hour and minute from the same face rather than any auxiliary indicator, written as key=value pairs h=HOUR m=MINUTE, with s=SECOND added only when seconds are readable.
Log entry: h=9 m=3
